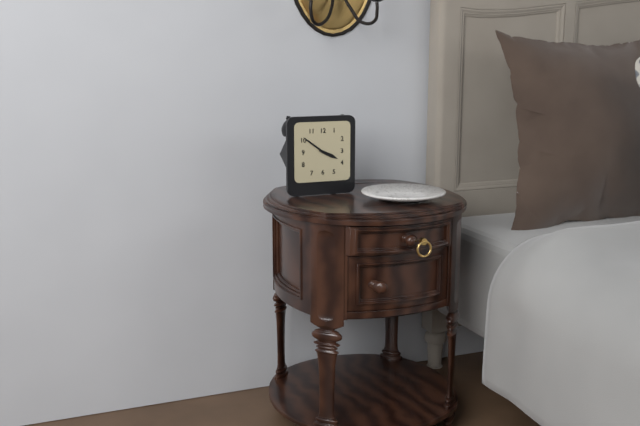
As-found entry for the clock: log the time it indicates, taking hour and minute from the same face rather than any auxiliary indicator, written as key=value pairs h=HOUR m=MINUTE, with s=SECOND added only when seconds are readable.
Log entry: h=3 m=51
